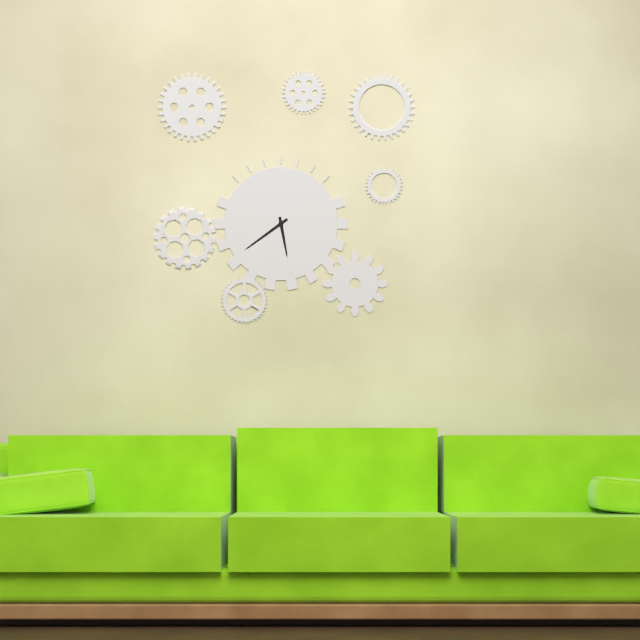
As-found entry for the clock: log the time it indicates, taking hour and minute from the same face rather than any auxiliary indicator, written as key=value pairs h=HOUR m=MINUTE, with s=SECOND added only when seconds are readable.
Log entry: h=5 m=39
